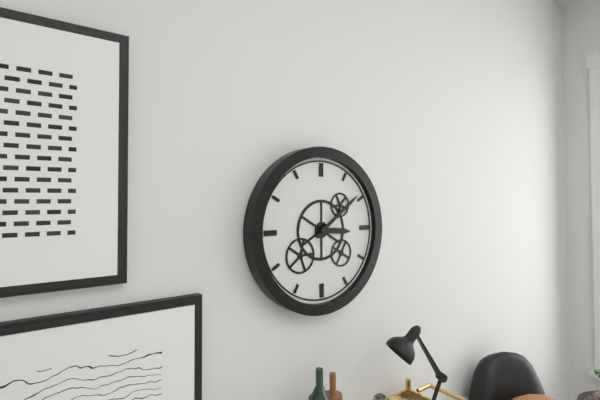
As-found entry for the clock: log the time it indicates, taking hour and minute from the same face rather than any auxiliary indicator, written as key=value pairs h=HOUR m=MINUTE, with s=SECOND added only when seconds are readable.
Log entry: h=3 m=9
